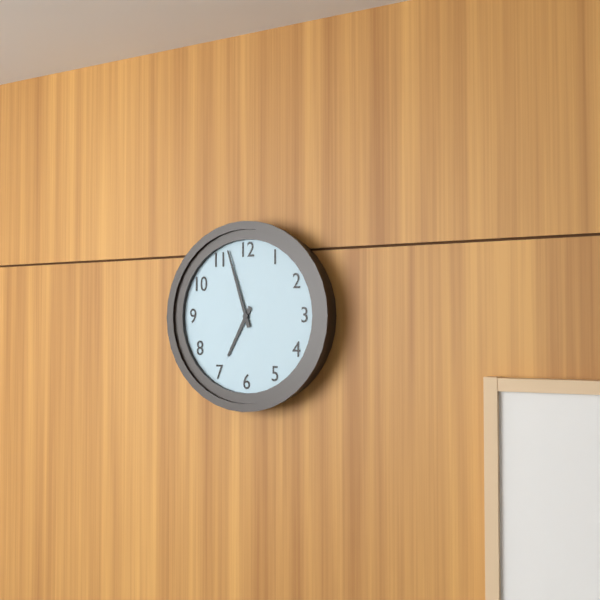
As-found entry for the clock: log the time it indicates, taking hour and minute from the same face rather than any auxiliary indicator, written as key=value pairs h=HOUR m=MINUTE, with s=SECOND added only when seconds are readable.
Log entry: h=6 m=57
